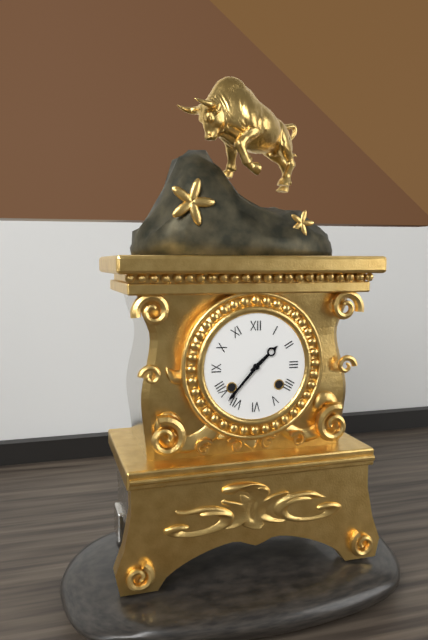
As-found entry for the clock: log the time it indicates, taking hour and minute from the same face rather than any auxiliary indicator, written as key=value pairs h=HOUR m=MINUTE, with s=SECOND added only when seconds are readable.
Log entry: h=1 m=37
